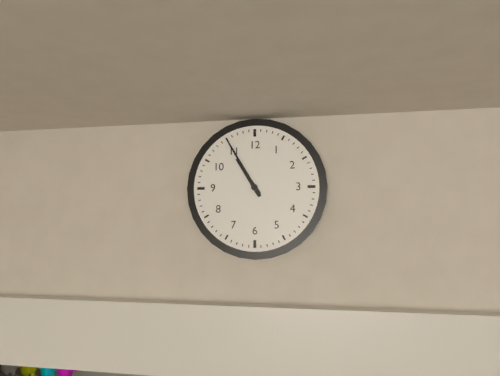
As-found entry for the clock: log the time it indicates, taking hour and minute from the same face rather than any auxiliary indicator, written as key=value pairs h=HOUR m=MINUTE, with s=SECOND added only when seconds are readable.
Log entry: h=10 m=55
